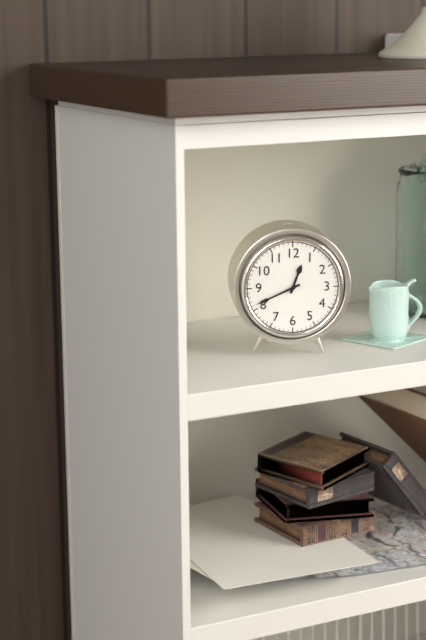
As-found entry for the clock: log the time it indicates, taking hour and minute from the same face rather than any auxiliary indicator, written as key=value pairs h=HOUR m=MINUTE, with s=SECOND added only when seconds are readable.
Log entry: h=12 m=41
